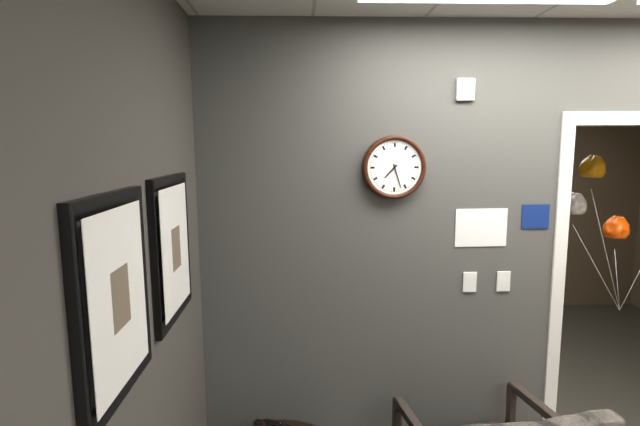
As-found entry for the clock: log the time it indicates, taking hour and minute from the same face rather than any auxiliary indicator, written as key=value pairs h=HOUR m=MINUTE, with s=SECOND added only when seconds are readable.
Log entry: h=7 m=27
